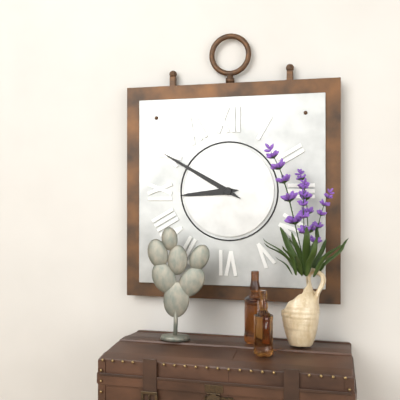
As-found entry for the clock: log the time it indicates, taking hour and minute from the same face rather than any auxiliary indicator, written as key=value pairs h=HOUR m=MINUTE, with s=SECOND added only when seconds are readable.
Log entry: h=8 m=50
